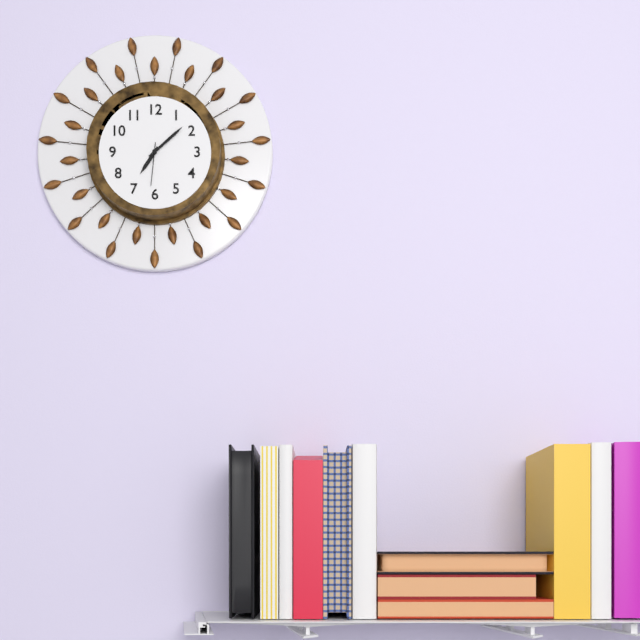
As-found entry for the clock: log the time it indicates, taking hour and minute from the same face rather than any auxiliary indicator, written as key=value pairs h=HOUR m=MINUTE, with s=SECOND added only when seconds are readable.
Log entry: h=7 m=8
